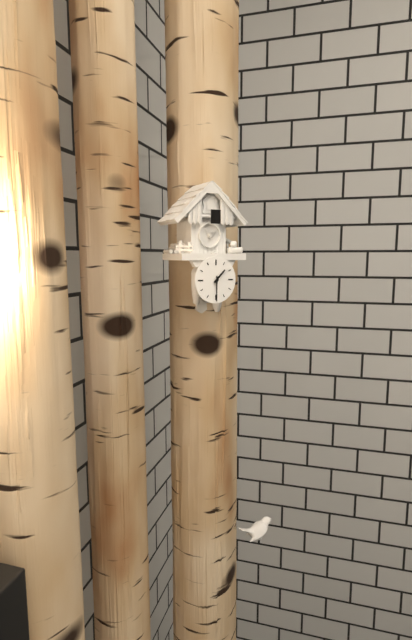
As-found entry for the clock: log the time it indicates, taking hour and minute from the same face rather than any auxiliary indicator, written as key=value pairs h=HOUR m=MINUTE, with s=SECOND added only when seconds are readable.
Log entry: h=1 m=30
